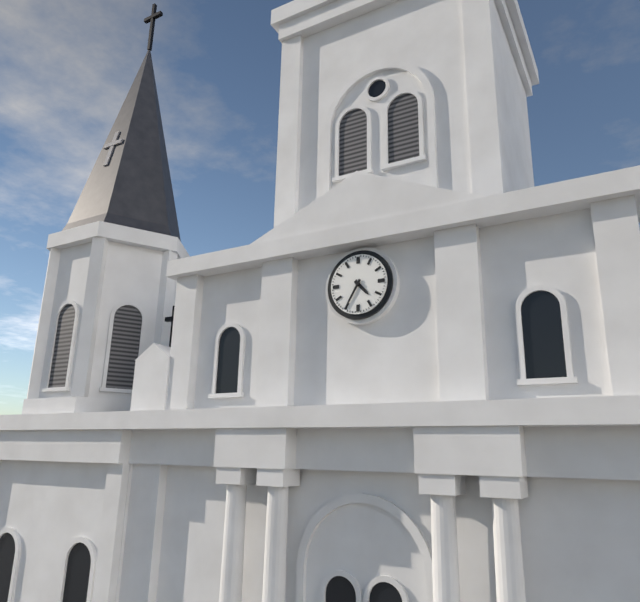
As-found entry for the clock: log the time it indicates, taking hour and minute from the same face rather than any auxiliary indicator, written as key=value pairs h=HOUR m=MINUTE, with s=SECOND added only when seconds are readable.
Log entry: h=4 m=35
